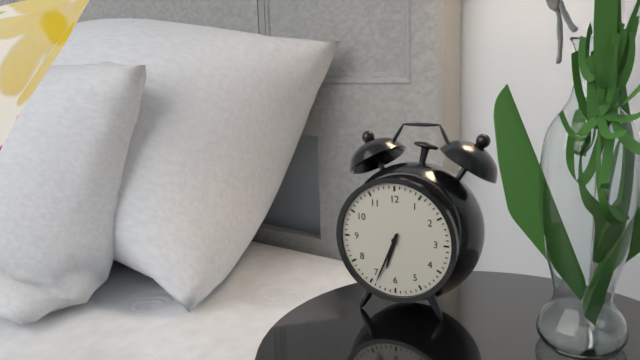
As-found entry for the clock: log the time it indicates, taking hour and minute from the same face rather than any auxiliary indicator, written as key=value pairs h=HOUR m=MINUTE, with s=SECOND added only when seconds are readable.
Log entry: h=6 m=34
